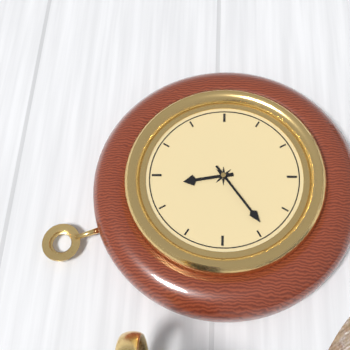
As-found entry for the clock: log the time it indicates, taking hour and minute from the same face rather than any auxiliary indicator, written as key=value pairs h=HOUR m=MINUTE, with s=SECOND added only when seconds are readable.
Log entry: h=11 m=39
